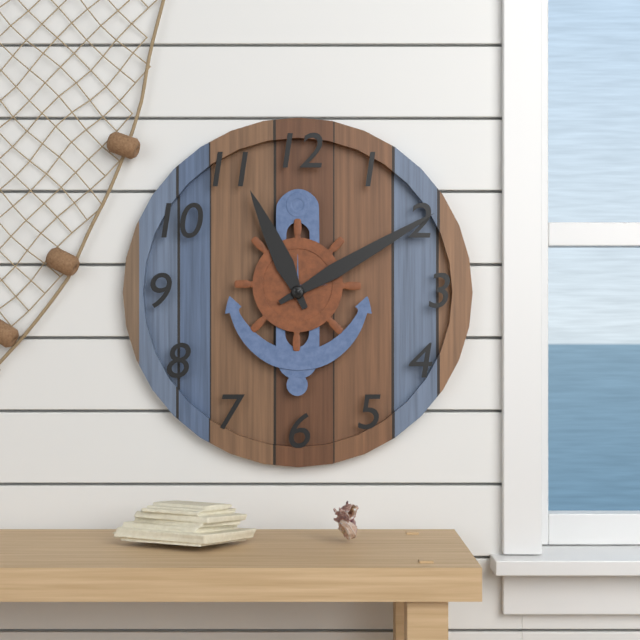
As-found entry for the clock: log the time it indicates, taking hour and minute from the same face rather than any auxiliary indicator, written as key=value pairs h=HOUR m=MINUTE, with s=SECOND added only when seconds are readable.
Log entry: h=11 m=10
